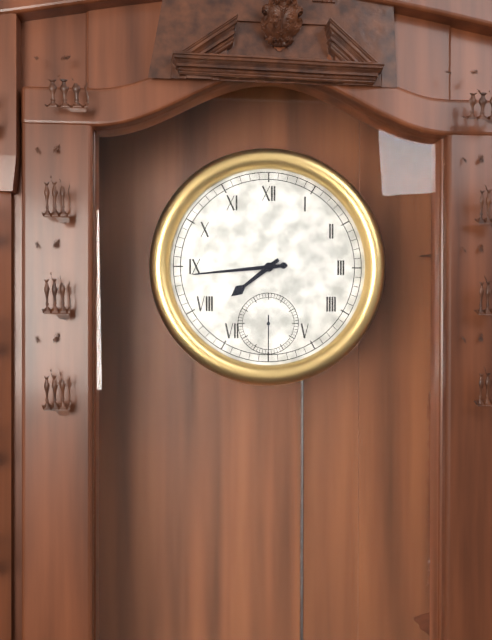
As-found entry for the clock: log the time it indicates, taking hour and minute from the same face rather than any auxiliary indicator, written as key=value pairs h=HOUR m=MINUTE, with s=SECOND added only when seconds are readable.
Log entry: h=7 m=44
